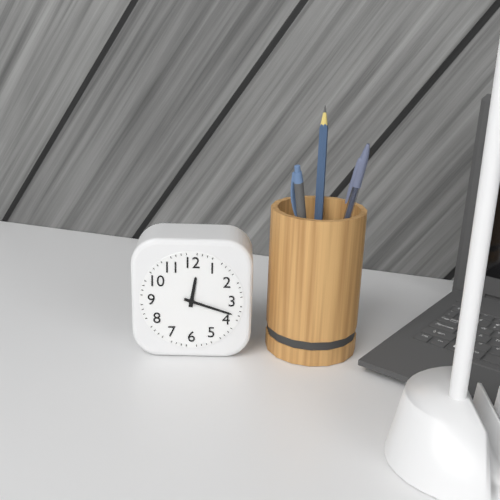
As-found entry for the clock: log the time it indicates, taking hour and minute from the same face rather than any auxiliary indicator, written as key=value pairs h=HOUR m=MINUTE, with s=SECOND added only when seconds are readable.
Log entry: h=12 m=18
